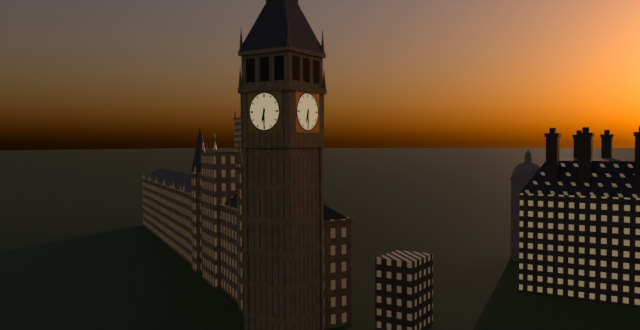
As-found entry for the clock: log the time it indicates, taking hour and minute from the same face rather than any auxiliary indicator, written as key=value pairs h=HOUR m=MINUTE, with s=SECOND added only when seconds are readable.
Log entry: h=6 m=30
